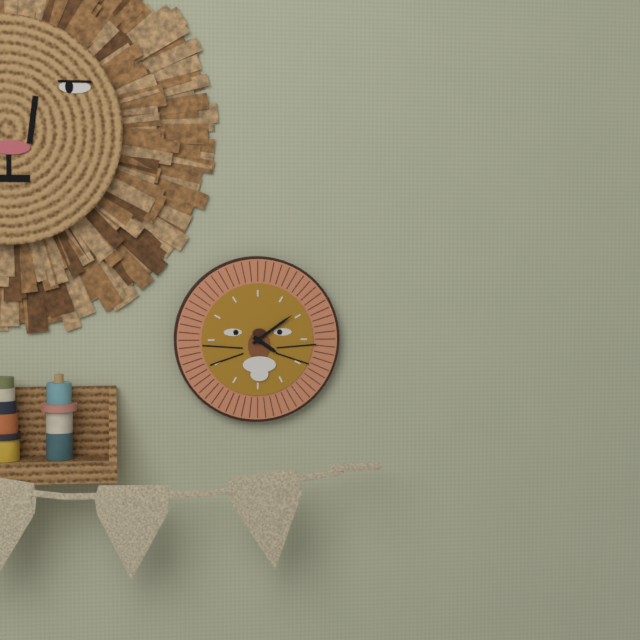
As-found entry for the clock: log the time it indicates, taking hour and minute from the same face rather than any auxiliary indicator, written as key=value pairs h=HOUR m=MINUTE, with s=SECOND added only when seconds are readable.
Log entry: h=4 m=9
